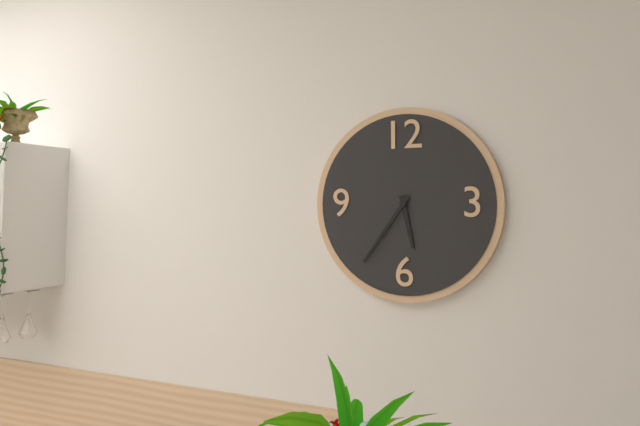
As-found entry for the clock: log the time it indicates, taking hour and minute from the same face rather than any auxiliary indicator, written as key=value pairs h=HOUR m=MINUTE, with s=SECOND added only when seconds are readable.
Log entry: h=5 m=36
